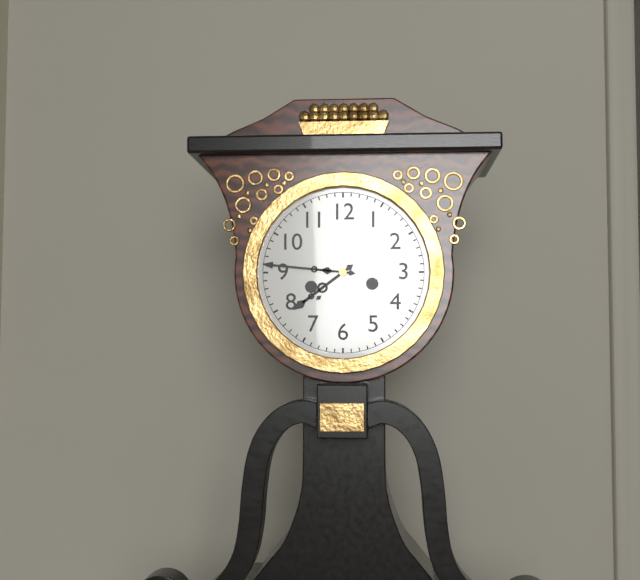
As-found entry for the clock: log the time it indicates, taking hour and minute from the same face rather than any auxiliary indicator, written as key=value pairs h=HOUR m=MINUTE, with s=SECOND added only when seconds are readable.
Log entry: h=7 m=46
